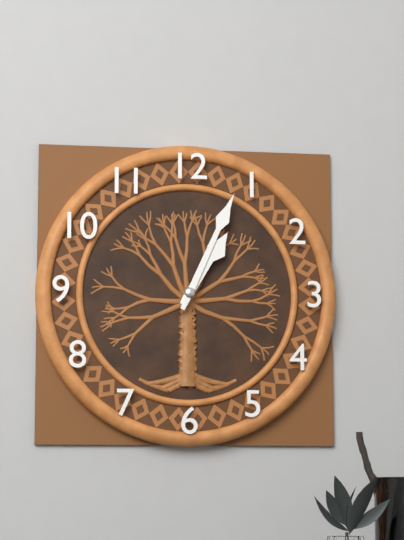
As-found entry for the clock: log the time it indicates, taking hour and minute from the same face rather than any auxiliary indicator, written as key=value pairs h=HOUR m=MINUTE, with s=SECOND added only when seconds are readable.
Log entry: h=1 m=4
